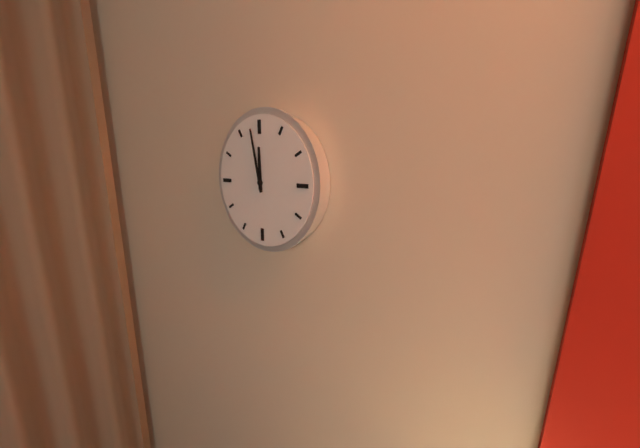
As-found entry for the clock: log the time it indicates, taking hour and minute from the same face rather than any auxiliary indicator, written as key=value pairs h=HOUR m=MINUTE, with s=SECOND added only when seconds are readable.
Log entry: h=11 m=58
